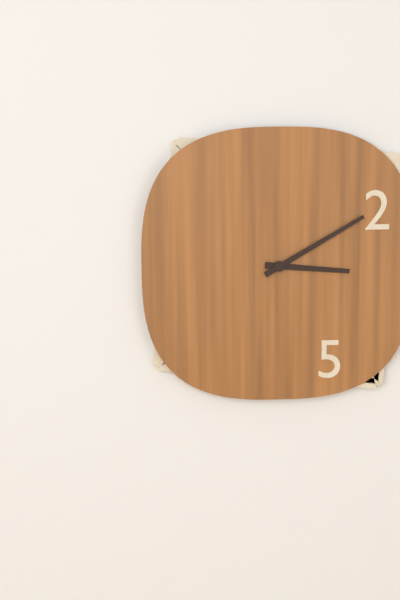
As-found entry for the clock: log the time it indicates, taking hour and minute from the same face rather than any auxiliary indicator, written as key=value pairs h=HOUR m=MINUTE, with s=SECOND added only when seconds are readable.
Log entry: h=3 m=10
